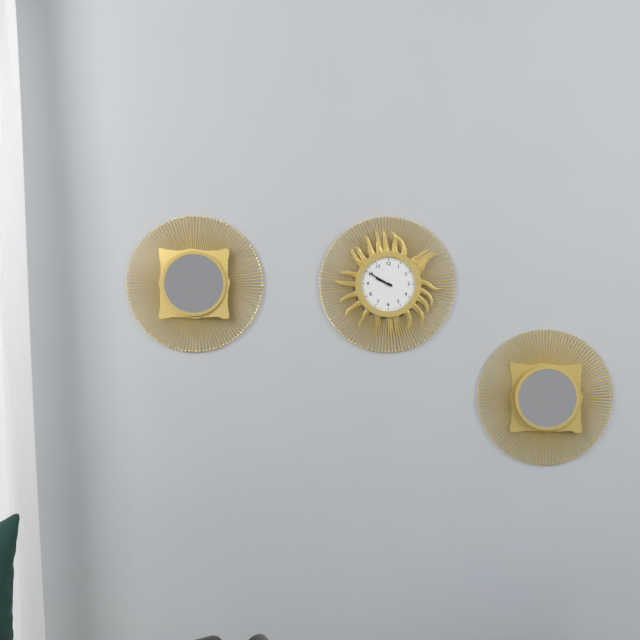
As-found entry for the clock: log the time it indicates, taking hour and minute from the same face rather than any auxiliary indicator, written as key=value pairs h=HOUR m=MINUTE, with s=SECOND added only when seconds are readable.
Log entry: h=9 m=50
